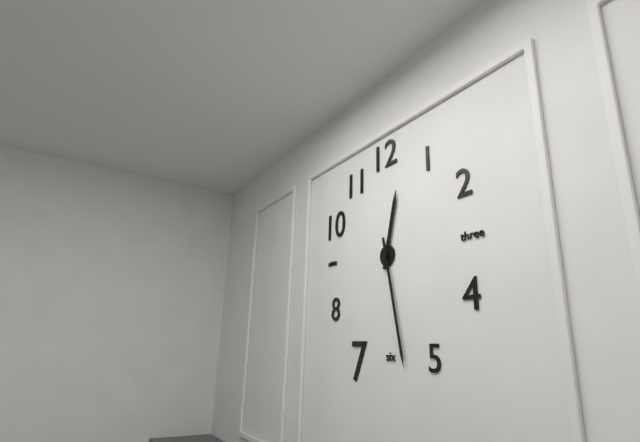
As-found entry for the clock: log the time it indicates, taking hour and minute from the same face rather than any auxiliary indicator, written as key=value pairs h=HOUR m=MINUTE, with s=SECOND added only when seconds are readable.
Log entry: h=12 m=28
